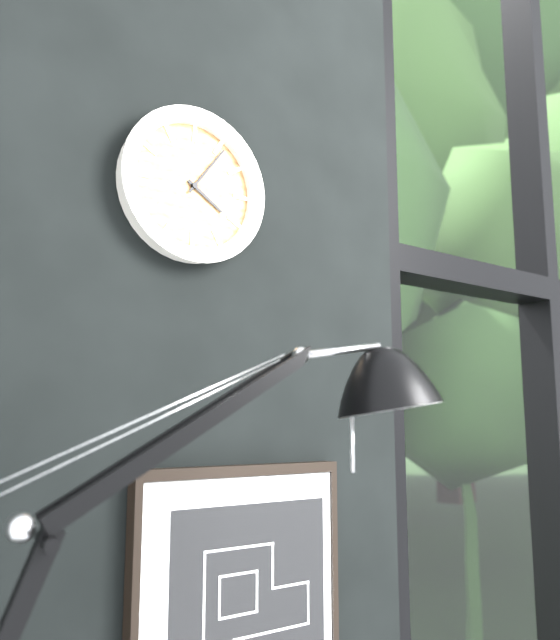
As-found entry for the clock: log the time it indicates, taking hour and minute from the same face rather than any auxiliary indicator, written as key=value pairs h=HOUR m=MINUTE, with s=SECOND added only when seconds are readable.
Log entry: h=4 m=6
